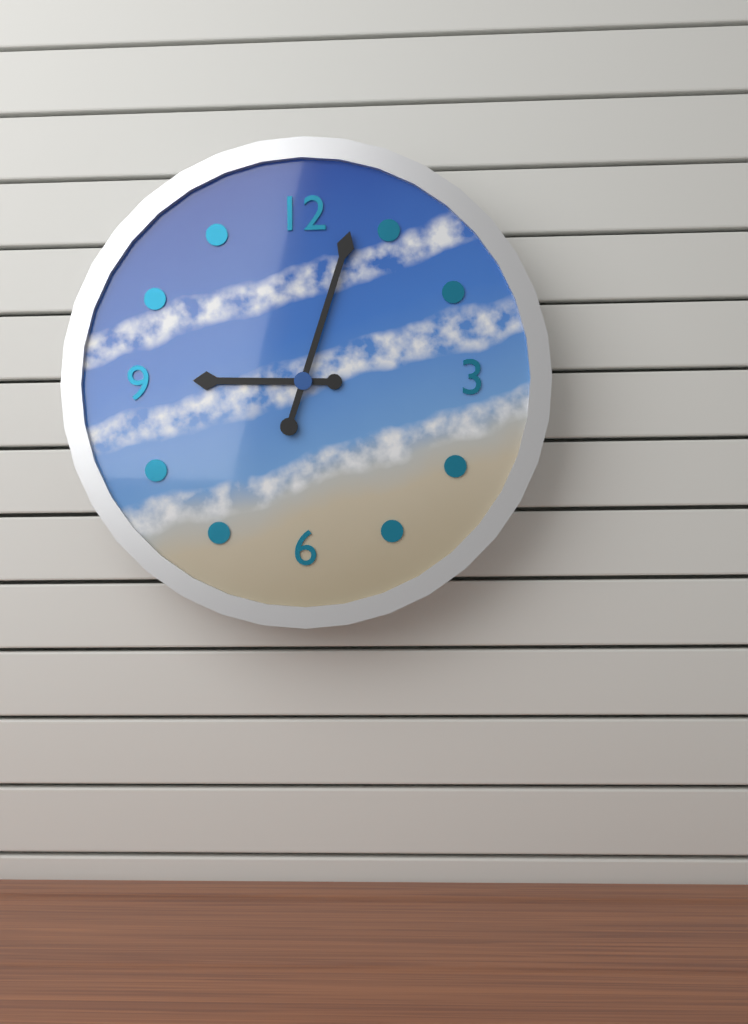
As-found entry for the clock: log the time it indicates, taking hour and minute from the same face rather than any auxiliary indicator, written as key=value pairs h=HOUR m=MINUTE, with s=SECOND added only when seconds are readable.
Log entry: h=9 m=3
